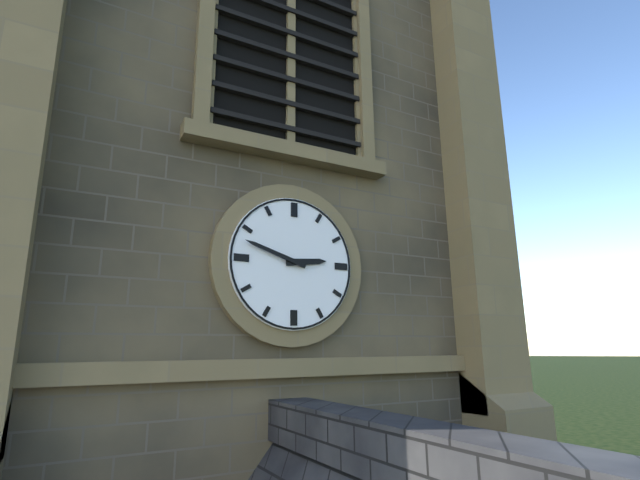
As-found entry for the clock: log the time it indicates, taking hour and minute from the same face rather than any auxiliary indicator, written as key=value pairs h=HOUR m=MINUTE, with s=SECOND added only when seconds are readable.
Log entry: h=2 m=48
